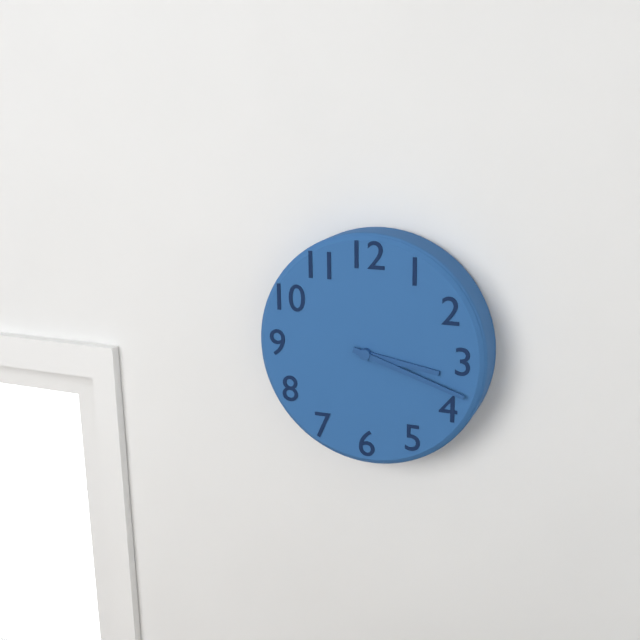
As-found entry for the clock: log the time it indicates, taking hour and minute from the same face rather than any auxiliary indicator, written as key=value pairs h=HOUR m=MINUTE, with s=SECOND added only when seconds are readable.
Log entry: h=3 m=18
